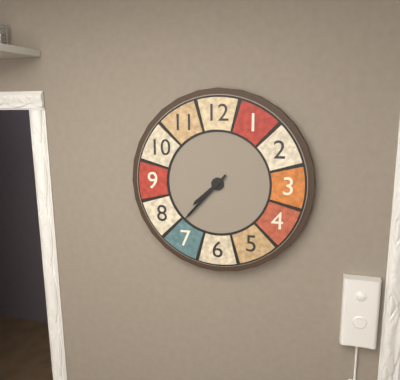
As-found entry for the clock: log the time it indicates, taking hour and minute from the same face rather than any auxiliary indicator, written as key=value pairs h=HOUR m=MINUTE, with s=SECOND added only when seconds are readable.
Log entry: h=7 m=37
